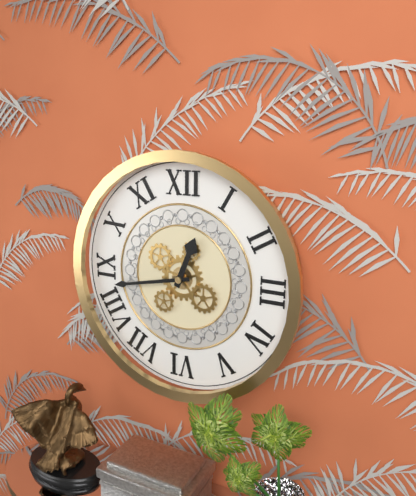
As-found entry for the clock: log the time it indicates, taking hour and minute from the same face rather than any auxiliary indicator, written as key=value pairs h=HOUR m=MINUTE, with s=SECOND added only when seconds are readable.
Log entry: h=12 m=43
